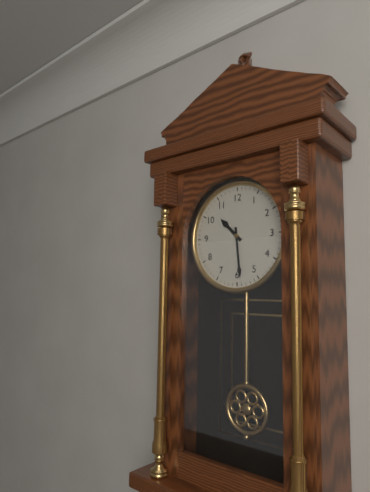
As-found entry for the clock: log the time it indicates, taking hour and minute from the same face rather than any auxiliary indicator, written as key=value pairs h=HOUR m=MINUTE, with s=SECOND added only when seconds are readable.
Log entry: h=10 m=29
